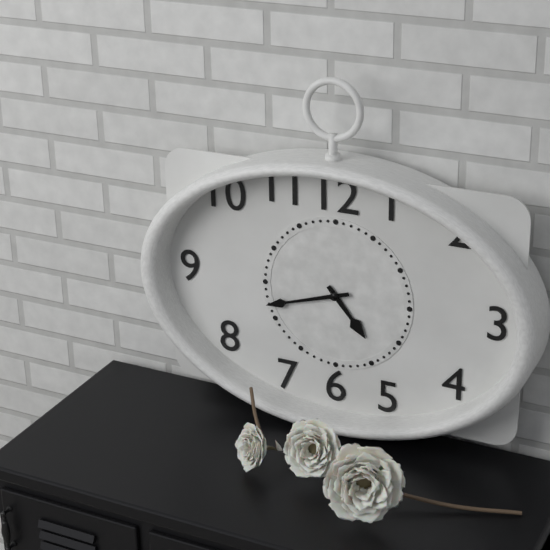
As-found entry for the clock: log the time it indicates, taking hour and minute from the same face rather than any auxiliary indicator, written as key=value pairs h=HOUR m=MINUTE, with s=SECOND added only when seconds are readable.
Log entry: h=4 m=42
